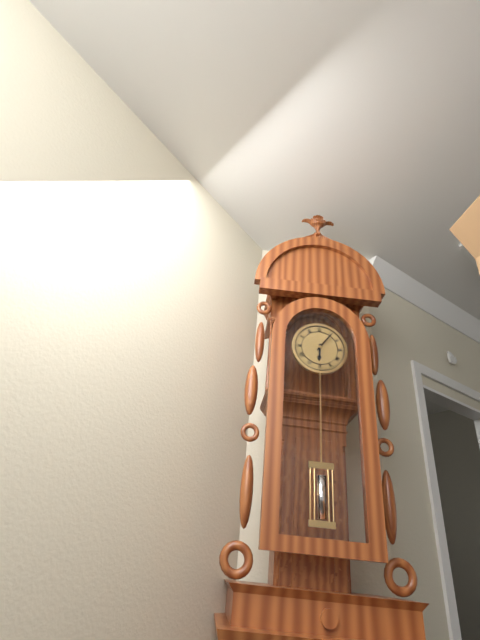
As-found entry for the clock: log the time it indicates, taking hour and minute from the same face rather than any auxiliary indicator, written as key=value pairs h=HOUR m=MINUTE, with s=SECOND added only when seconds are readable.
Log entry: h=6 m=6
